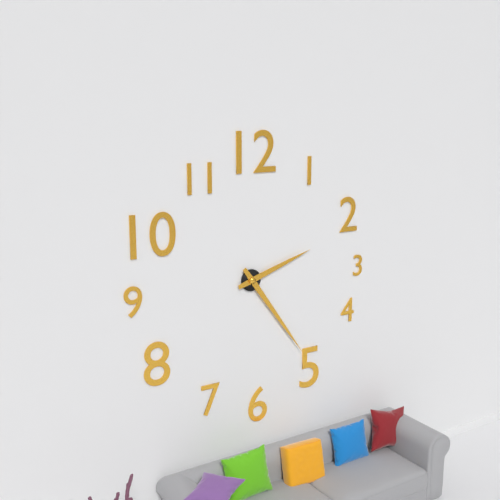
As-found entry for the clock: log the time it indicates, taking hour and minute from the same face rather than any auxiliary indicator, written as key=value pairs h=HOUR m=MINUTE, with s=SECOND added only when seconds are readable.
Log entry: h=2 m=24
